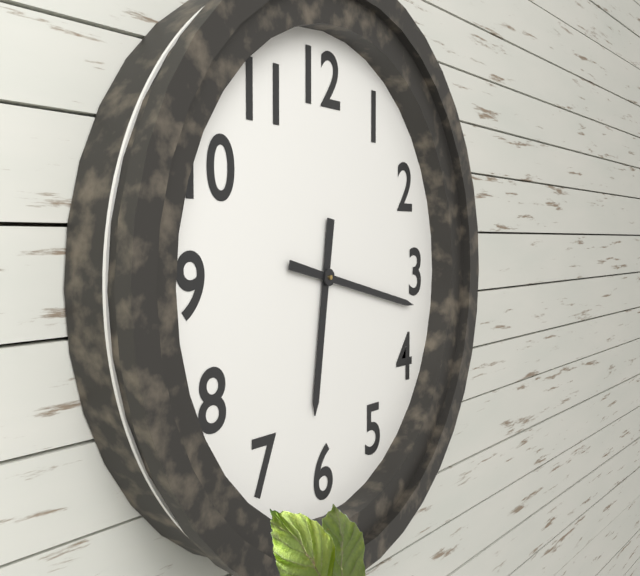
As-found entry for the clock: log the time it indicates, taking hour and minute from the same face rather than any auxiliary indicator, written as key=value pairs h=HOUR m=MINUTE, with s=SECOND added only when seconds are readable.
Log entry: h=6 m=17
